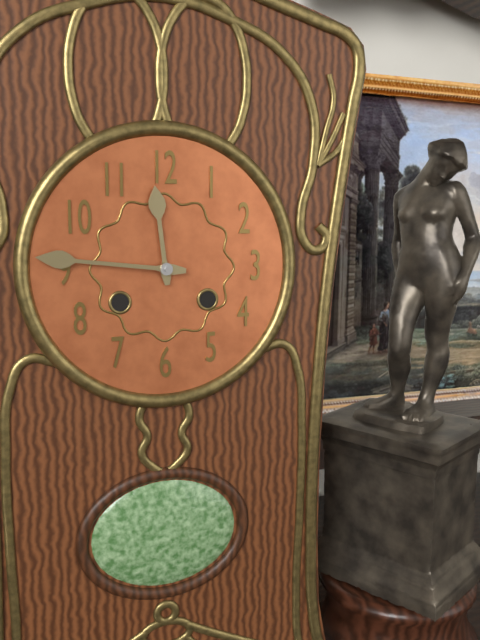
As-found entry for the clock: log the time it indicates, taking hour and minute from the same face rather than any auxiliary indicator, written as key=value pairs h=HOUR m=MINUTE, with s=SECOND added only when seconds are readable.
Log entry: h=11 m=46
